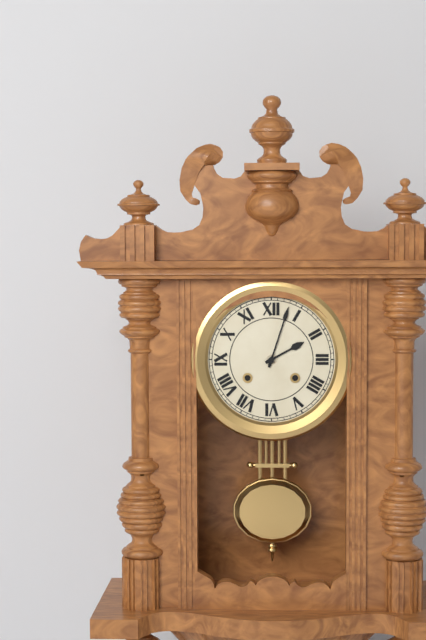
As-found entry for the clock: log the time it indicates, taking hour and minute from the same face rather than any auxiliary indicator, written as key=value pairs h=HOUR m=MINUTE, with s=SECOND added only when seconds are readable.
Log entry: h=2 m=3
